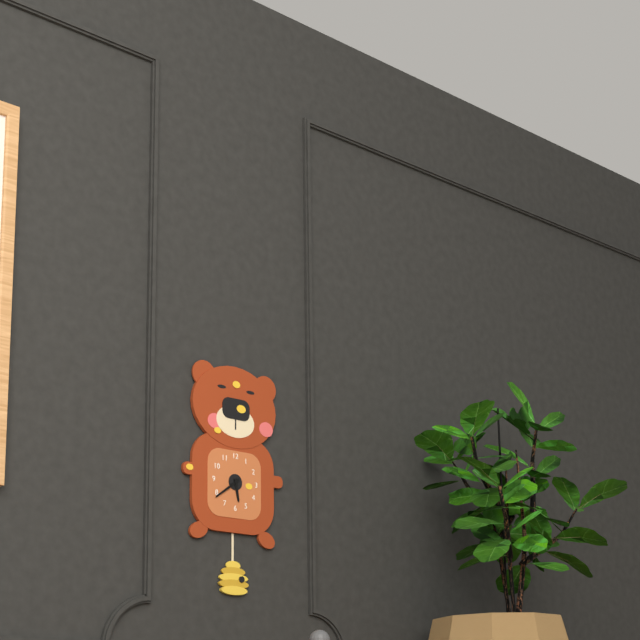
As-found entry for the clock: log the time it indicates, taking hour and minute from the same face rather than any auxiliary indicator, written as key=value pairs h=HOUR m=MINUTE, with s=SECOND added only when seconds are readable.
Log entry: h=5 m=39
